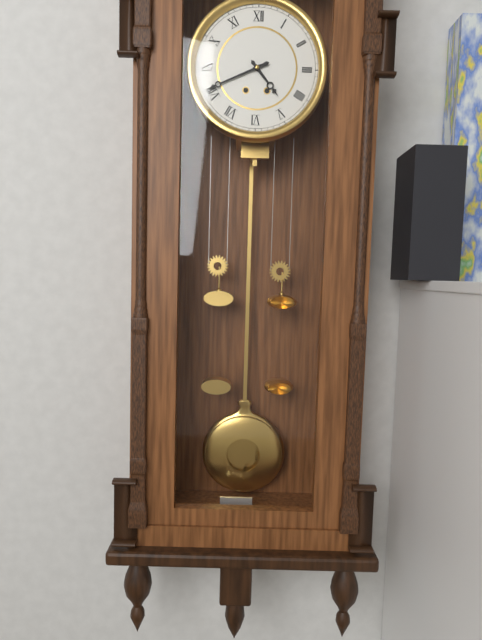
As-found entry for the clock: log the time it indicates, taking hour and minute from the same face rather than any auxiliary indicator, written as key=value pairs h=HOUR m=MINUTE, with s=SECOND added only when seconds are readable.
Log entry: h=4 m=41
